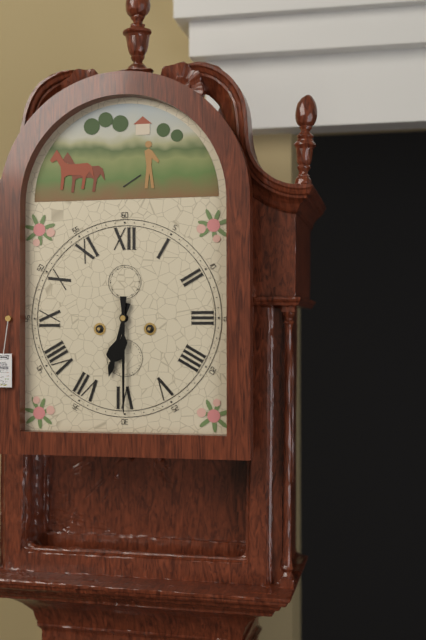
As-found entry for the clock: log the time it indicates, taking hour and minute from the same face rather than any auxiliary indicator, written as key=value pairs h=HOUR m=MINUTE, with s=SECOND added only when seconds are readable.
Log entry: h=6 m=30
